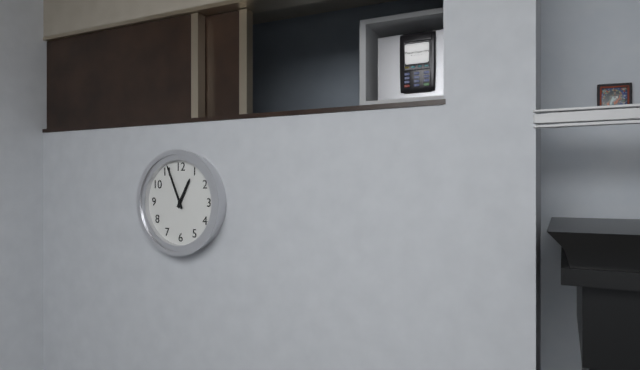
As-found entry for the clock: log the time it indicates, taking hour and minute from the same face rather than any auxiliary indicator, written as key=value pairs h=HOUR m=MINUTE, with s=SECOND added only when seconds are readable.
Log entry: h=12 m=56
